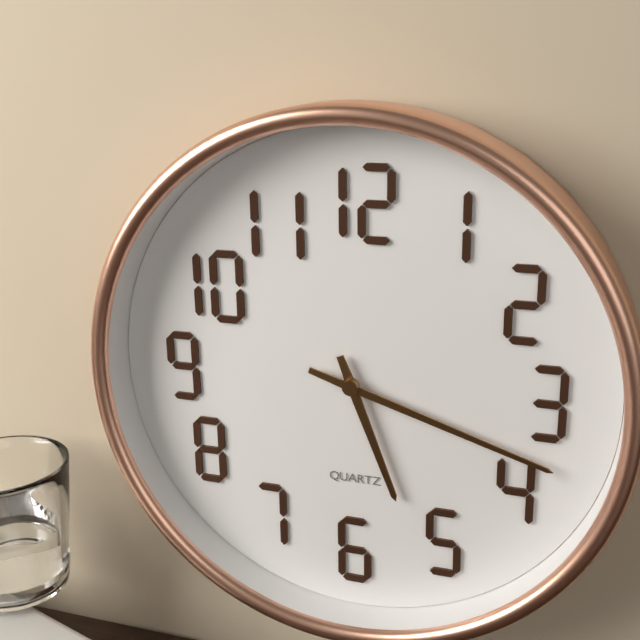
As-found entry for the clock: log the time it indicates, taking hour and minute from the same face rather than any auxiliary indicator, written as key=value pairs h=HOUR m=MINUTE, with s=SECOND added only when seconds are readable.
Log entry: h=5 m=18
